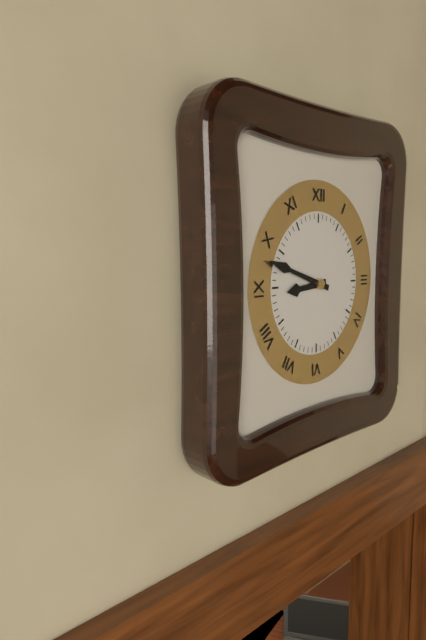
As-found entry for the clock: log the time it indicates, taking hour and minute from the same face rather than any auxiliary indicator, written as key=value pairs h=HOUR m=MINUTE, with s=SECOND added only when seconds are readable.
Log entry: h=8 m=48
